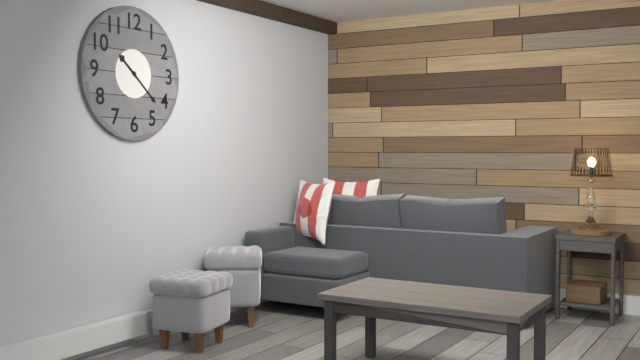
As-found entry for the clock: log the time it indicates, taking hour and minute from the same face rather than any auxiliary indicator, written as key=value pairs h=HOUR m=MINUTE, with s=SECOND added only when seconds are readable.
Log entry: h=10 m=22
